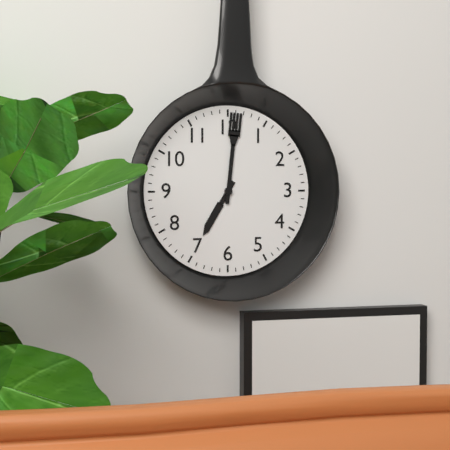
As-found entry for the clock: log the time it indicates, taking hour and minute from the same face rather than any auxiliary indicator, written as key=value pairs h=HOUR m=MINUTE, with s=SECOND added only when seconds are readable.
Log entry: h=7 m=1
